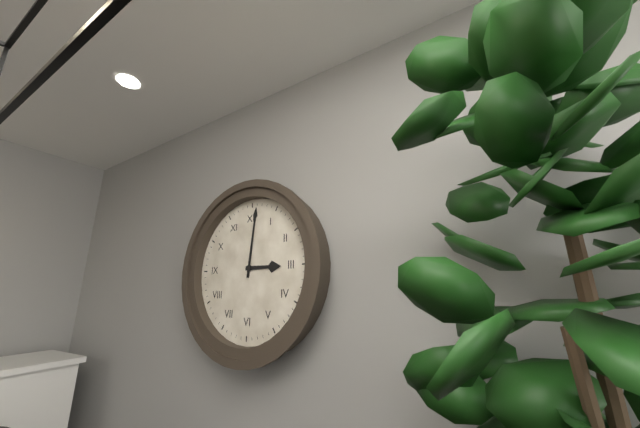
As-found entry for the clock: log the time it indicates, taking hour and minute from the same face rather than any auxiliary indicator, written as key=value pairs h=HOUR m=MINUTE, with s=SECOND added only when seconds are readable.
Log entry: h=3 m=1
